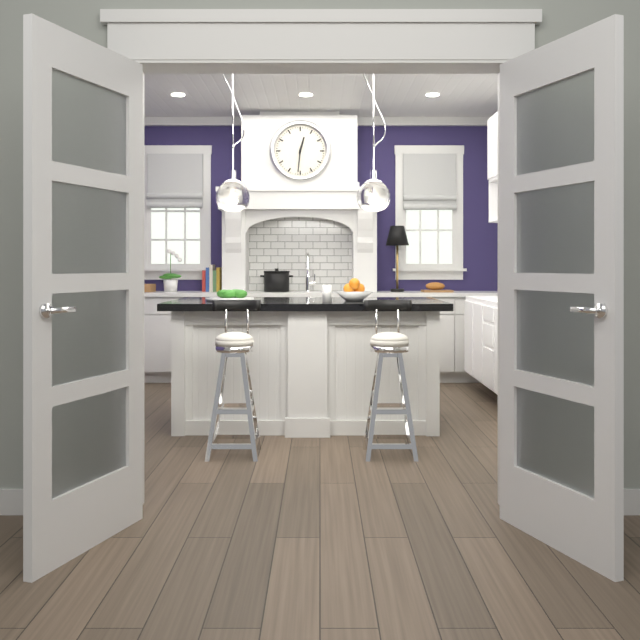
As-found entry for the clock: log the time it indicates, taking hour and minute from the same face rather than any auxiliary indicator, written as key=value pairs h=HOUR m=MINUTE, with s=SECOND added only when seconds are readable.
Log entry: h=12 m=31
